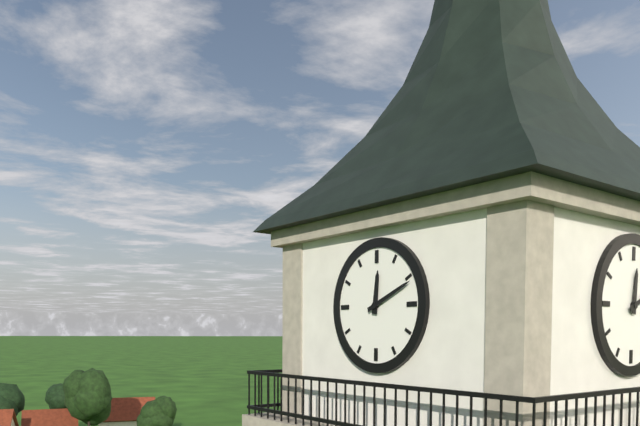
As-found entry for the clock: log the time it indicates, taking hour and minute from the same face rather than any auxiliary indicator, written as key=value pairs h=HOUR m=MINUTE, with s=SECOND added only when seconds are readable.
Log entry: h=12 m=11
